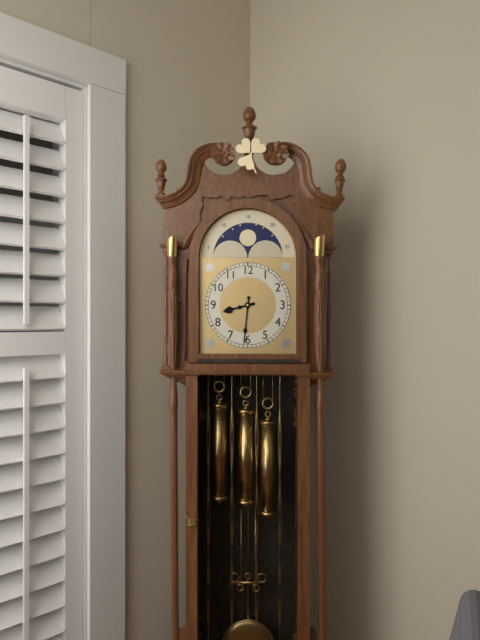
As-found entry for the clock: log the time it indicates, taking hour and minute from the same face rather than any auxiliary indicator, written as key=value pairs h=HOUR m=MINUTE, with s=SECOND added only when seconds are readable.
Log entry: h=8 m=31
